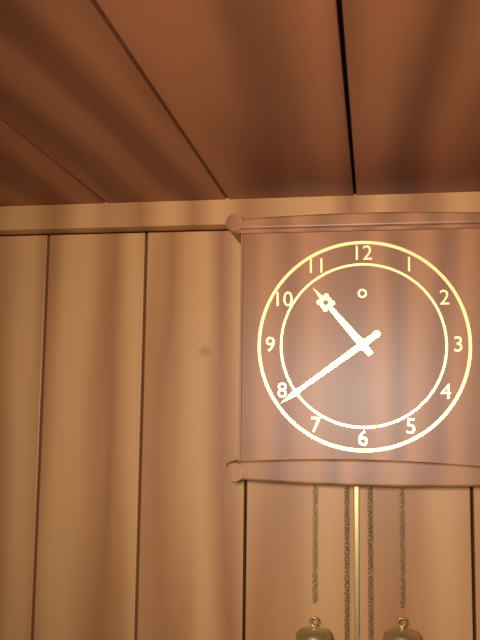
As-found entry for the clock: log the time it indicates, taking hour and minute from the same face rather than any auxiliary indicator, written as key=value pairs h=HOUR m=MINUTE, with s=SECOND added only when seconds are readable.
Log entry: h=10 m=39
